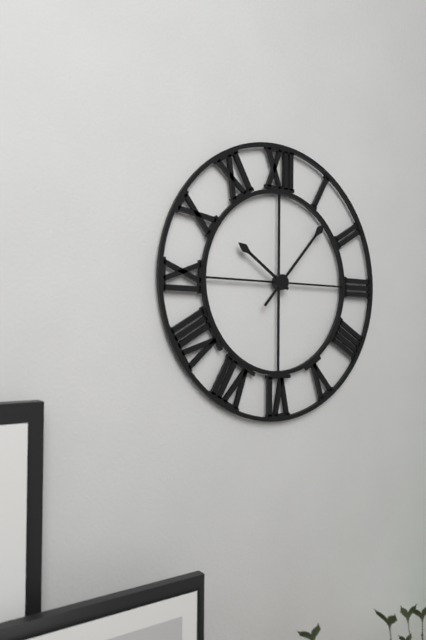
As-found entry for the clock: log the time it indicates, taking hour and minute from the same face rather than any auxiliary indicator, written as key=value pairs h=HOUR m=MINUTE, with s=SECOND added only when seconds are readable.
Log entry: h=10 m=7
